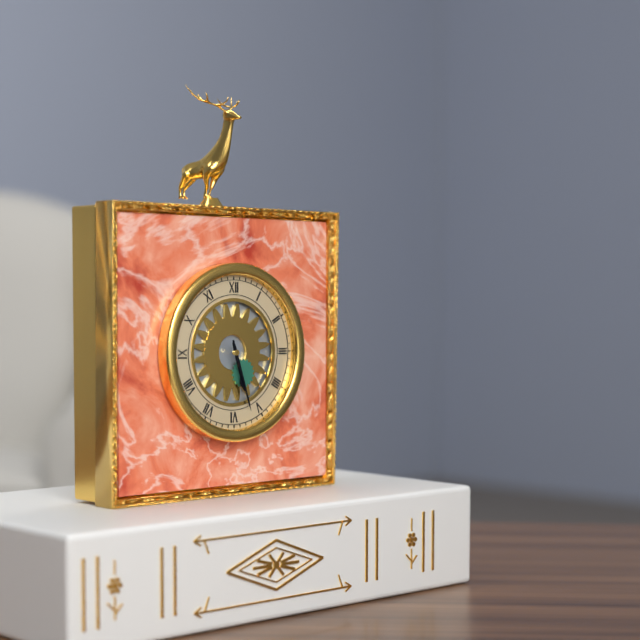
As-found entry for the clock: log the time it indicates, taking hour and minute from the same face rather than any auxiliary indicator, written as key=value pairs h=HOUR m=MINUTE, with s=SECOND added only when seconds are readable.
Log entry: h=5 m=27
